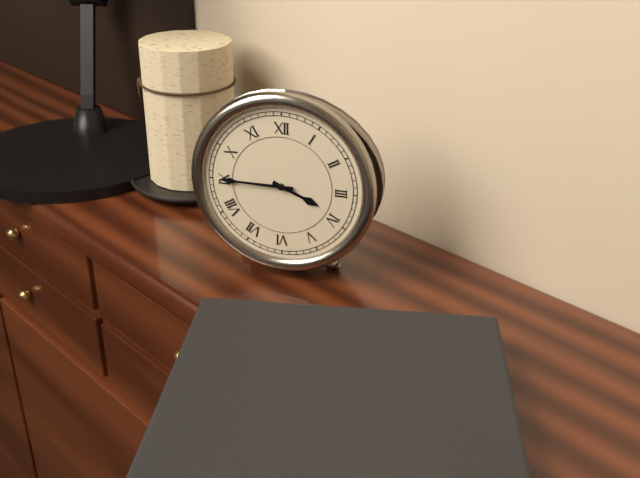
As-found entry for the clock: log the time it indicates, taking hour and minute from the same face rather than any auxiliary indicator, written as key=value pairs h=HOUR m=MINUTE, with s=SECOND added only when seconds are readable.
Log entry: h=3 m=45
